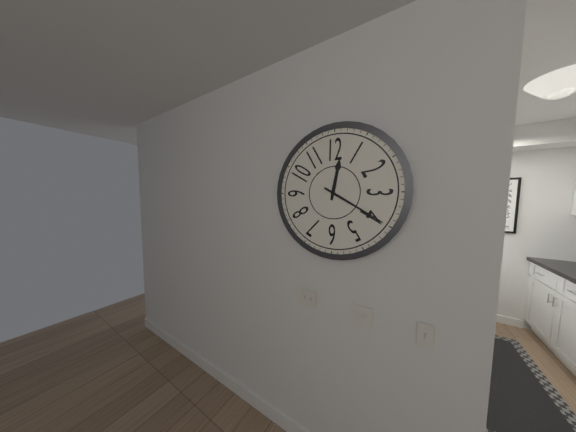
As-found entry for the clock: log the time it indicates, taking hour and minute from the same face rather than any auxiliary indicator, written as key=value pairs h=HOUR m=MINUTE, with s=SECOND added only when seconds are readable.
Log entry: h=12 m=20
